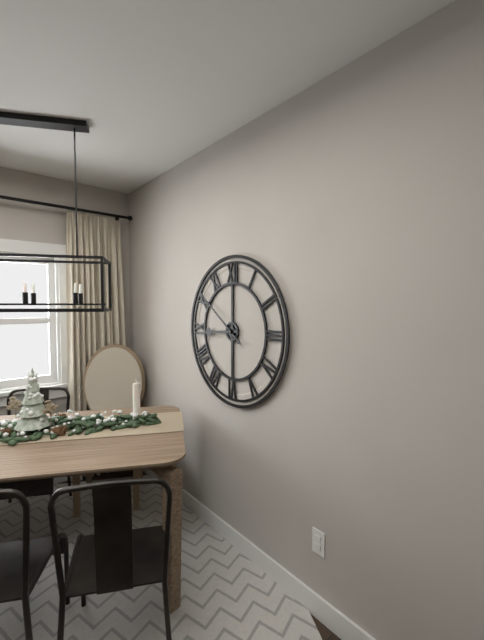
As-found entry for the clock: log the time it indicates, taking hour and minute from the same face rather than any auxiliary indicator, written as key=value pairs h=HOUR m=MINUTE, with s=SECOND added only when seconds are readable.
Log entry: h=8 m=51
